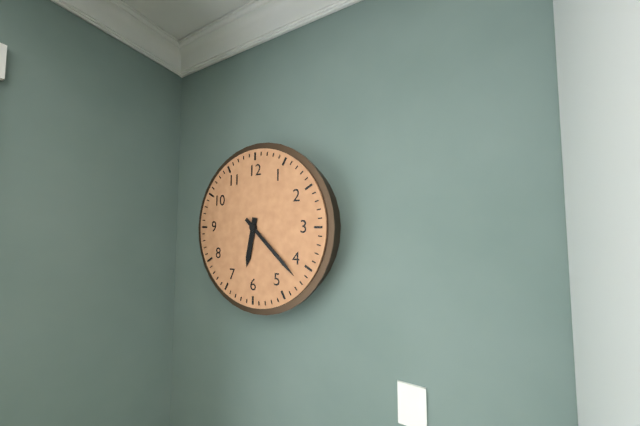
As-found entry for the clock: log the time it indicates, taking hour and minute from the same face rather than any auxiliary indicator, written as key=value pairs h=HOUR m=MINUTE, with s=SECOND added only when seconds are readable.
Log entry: h=6 m=22
